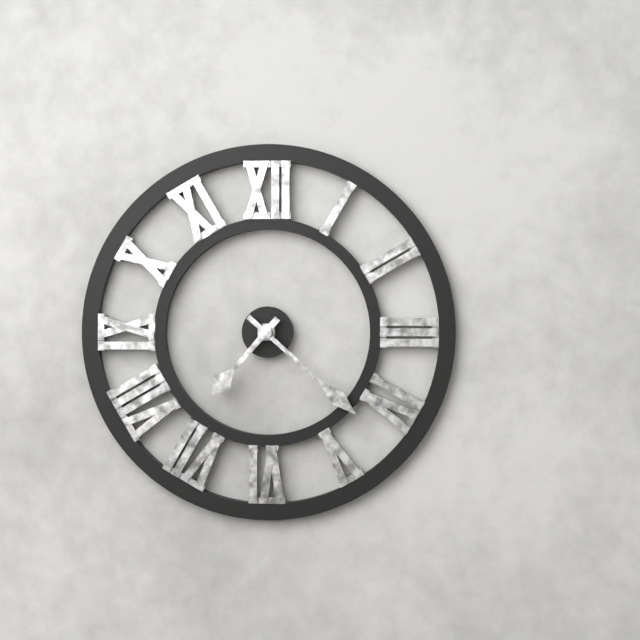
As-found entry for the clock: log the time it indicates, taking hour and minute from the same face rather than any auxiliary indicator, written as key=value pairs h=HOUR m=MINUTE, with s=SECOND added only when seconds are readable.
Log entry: h=7 m=22
